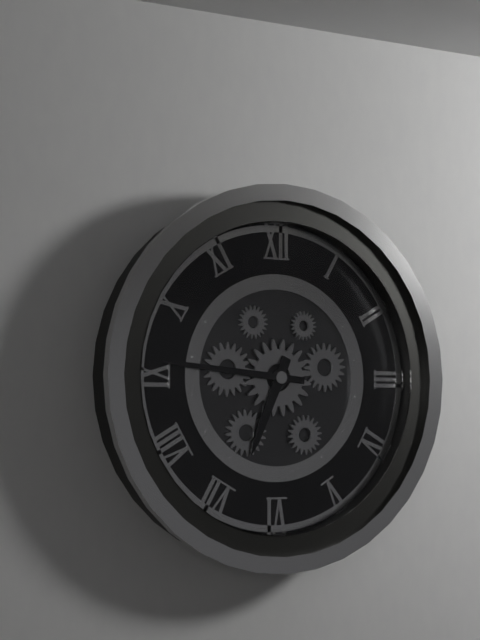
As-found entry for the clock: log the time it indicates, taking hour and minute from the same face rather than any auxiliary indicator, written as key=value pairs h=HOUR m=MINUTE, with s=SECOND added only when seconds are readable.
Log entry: h=6 m=46
